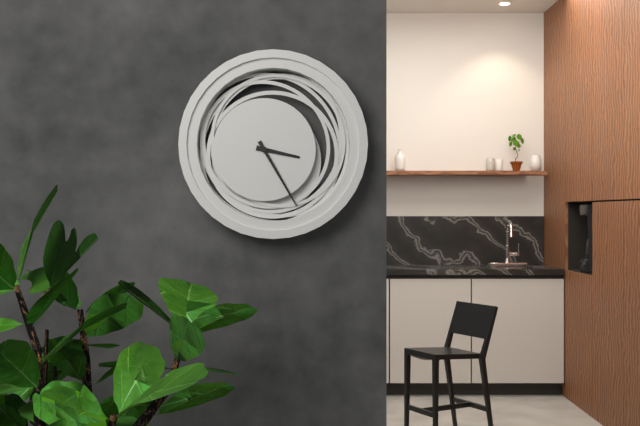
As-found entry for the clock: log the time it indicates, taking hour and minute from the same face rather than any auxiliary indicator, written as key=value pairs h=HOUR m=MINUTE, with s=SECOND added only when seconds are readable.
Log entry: h=3 m=25
